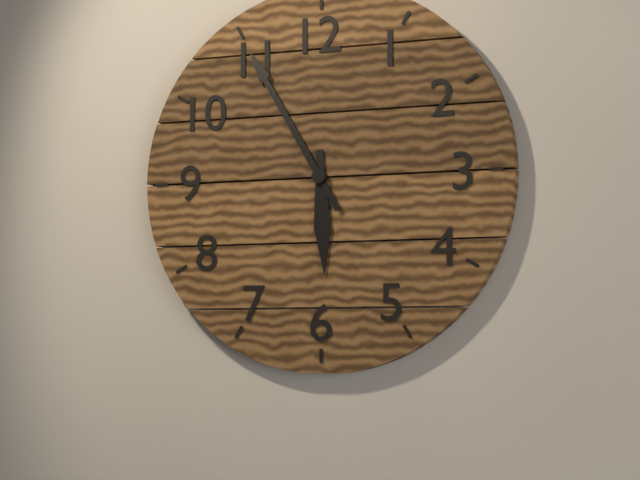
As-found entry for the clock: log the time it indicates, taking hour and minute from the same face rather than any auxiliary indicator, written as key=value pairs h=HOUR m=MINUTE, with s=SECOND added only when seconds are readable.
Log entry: h=5 m=55
